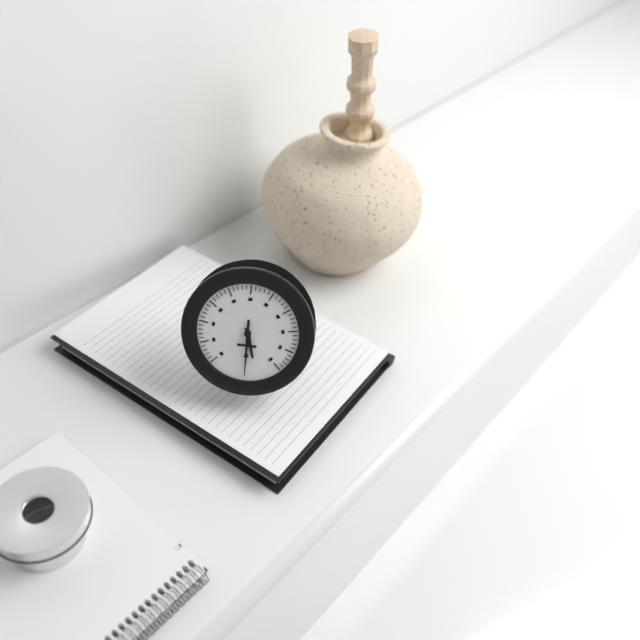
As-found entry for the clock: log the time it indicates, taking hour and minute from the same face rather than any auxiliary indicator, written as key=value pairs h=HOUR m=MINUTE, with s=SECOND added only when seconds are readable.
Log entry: h=5 m=30
